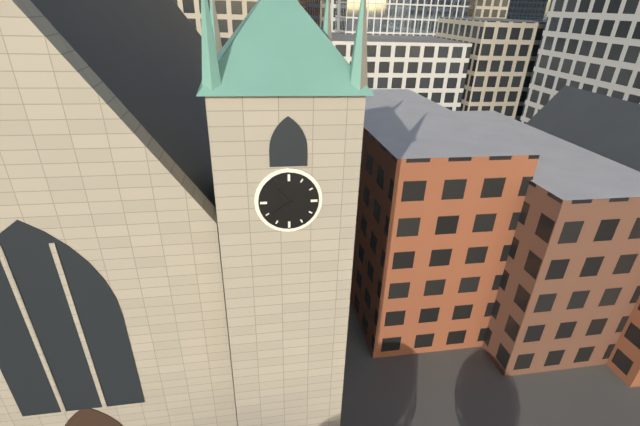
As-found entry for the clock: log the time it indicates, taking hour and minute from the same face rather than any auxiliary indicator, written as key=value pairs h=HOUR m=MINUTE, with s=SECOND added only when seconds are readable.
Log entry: h=10 m=39
